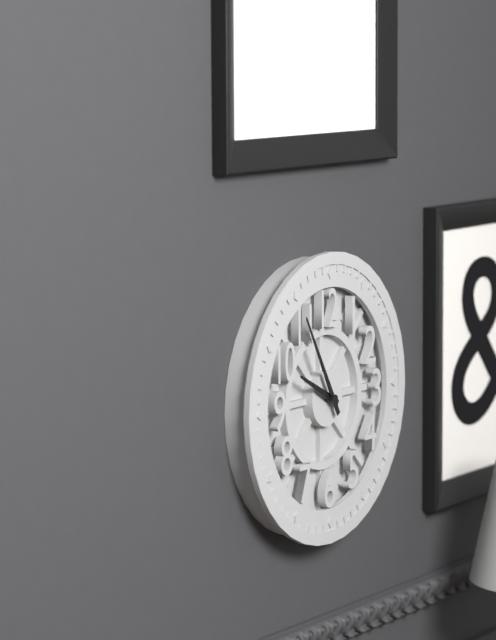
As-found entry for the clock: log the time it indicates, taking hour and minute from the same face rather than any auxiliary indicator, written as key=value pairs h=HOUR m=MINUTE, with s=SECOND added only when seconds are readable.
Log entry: h=9 m=55
